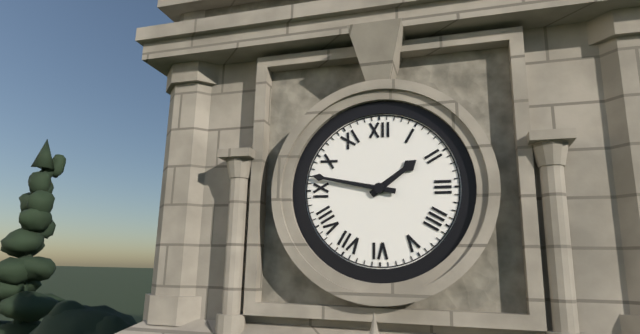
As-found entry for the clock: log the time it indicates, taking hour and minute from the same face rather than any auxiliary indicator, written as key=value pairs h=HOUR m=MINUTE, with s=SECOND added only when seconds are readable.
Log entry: h=1 m=47
